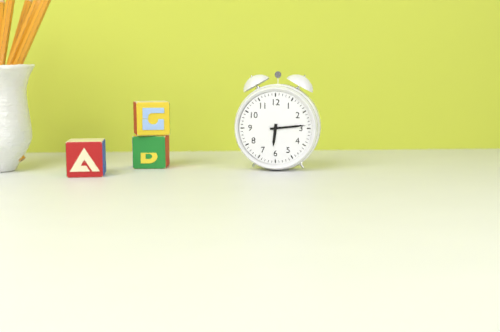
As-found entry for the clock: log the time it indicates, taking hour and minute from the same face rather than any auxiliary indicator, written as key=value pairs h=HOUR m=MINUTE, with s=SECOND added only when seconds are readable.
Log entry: h=6 m=14
